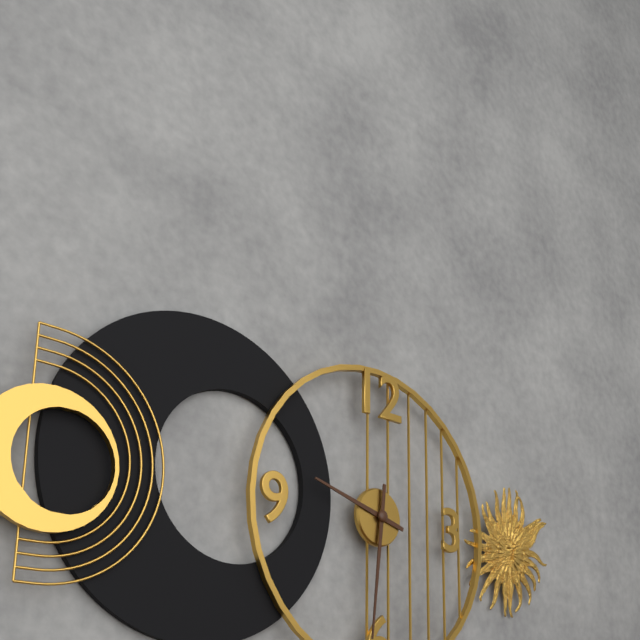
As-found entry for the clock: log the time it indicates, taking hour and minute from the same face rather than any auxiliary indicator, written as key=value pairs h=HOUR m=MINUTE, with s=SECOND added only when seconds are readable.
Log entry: h=9 m=31
